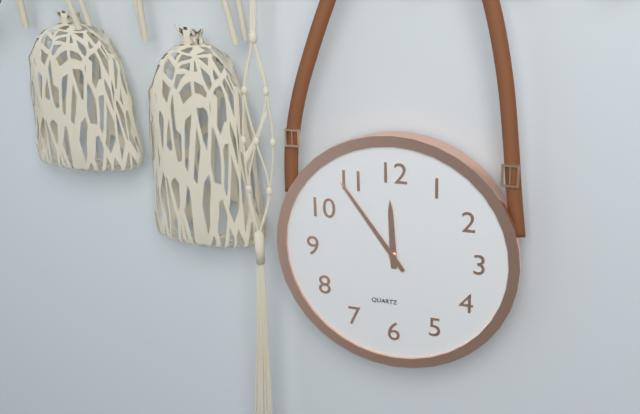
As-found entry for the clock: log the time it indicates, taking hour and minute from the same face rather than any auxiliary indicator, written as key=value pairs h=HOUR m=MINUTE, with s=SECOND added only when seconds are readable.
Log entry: h=11 m=54
